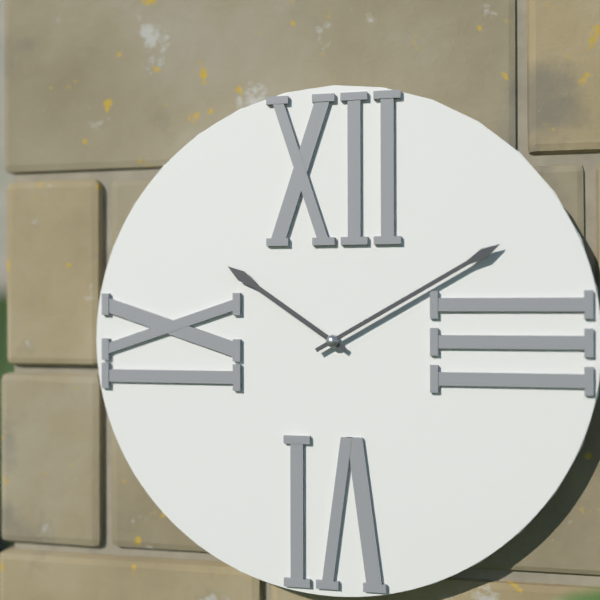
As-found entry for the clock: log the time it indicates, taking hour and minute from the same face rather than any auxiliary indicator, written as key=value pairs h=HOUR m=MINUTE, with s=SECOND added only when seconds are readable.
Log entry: h=10 m=10
